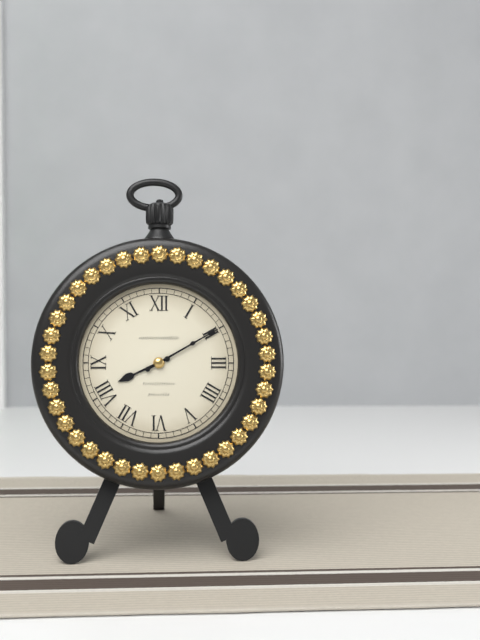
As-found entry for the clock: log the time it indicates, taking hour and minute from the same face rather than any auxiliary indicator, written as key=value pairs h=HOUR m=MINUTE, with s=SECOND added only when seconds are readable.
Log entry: h=8 m=10
